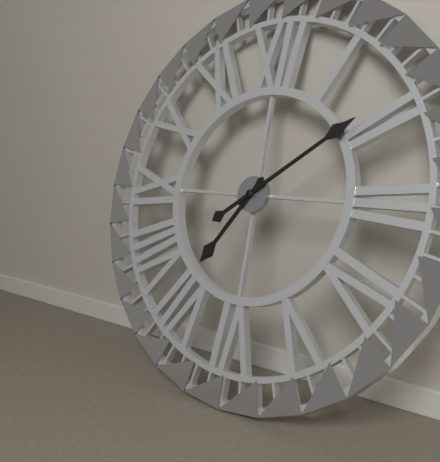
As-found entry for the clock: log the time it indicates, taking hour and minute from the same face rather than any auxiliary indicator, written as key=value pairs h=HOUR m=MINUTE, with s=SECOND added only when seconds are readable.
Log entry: h=7 m=9
